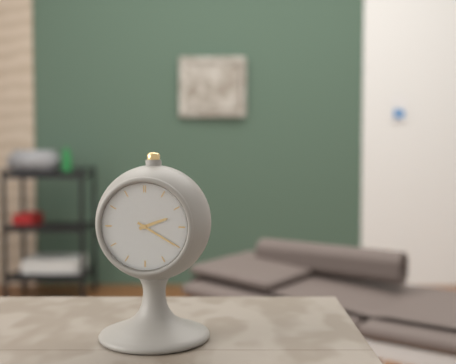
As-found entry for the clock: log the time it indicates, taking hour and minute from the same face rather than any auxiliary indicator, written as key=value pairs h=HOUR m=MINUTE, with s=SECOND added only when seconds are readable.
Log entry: h=2 m=20
